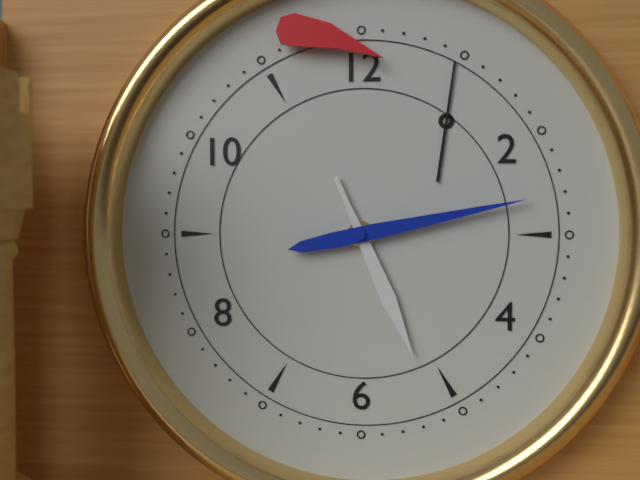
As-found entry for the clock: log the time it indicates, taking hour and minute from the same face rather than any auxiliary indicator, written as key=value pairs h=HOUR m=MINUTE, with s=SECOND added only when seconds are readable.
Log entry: h=5 m=13
